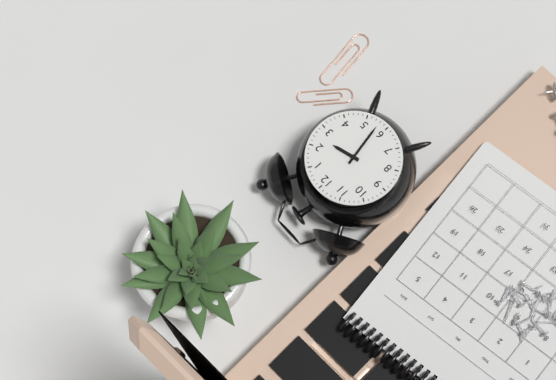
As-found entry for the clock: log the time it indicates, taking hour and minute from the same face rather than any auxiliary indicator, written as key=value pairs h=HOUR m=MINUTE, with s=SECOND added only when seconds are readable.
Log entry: h=2 m=28
